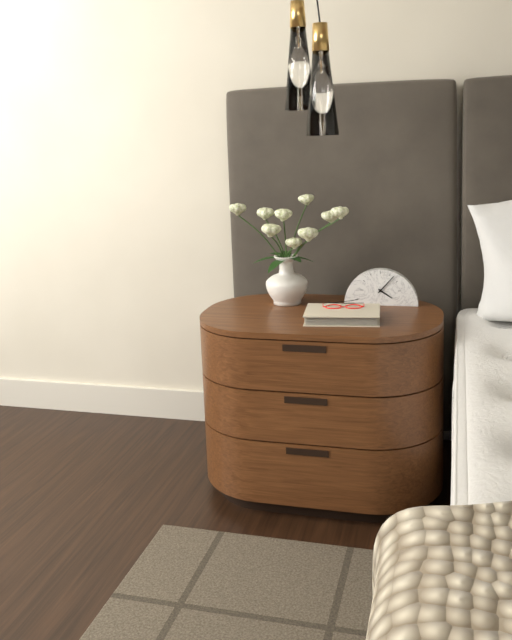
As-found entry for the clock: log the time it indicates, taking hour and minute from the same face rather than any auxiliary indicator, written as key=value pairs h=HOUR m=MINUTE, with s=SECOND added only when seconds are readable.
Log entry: h=4 m=7
